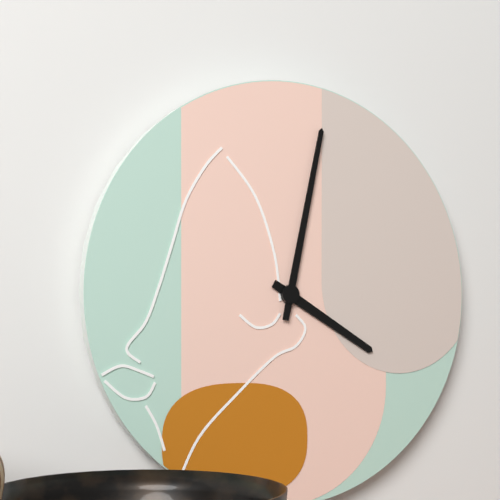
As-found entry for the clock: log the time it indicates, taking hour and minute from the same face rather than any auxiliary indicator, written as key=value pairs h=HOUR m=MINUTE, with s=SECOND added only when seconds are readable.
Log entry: h=4 m=2
